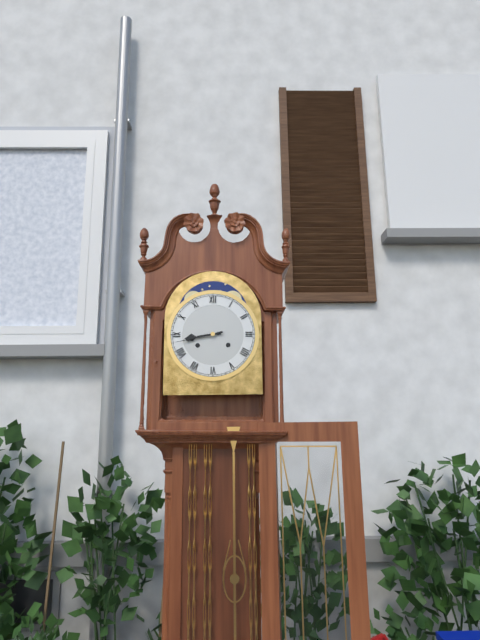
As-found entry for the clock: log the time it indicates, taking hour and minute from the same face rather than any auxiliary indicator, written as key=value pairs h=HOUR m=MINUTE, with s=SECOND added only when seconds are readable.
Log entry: h=8 m=43
